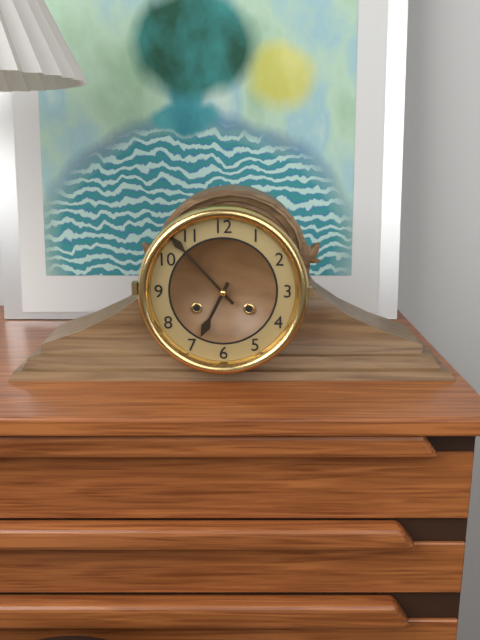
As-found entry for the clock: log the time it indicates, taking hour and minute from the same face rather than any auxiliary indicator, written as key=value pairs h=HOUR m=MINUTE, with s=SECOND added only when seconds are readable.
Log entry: h=6 m=53
